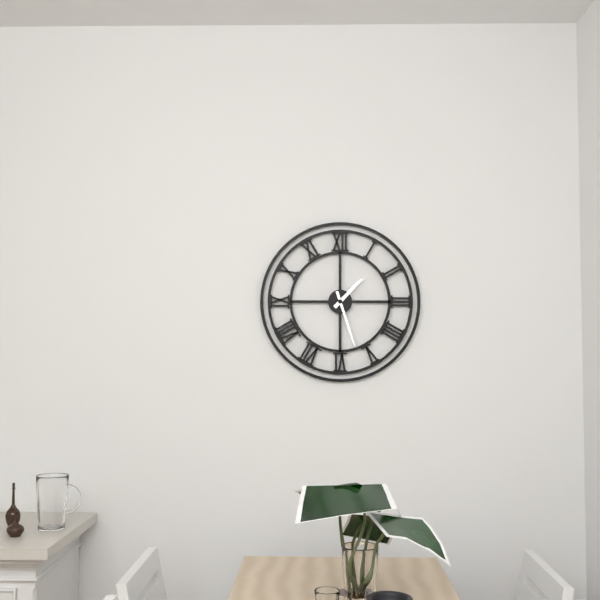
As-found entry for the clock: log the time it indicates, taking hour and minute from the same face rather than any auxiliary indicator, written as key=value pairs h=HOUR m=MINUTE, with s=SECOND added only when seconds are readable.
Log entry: h=1 m=27
